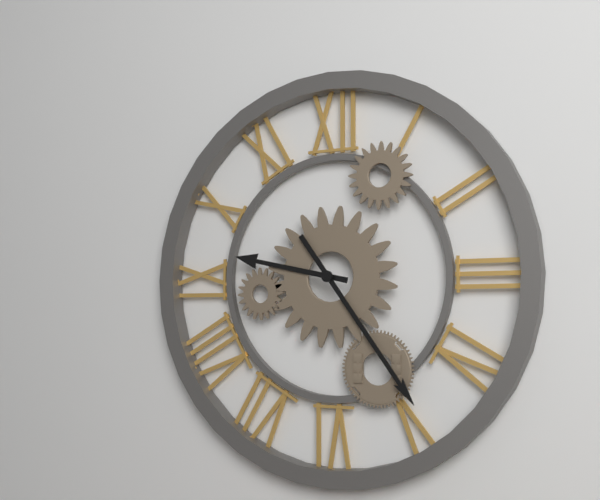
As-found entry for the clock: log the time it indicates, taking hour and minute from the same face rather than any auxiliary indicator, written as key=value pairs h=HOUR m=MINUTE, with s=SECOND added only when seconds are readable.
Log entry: h=9 m=24
